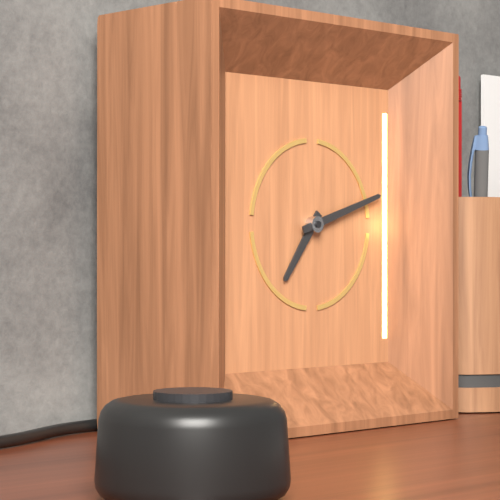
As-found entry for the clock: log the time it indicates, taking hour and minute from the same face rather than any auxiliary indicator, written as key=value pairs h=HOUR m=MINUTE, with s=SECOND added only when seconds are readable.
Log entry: h=7 m=12
